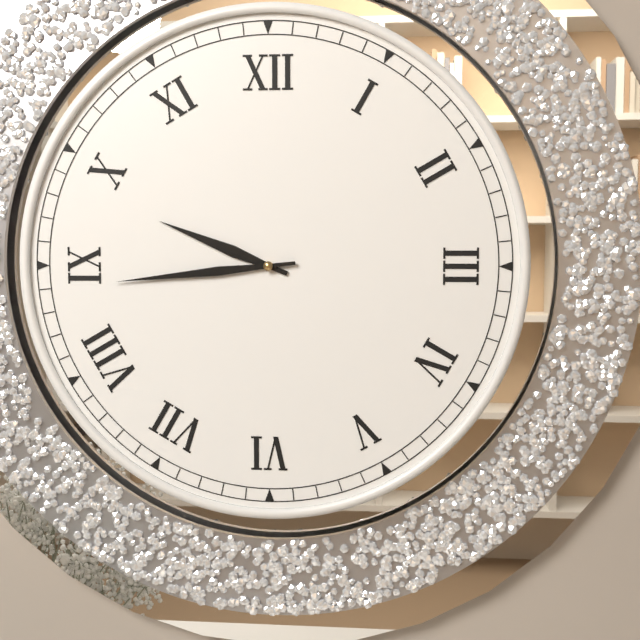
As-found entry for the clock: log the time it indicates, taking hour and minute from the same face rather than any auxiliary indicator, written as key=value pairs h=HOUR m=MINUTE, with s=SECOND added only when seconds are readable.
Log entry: h=9 m=44
